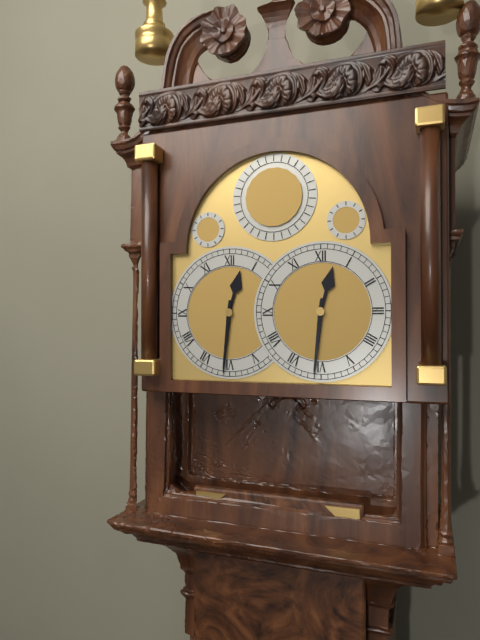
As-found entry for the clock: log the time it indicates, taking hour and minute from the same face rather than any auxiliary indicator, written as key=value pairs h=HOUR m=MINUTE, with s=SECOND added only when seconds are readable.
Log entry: h=12 m=31
